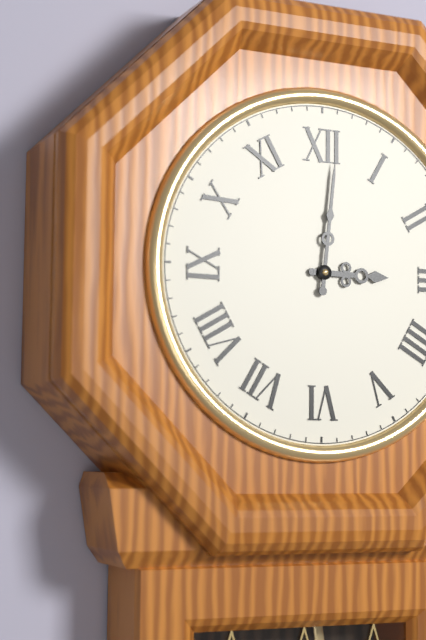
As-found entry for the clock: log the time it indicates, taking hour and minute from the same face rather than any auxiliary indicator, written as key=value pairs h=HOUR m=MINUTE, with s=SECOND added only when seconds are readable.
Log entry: h=3 m=1
